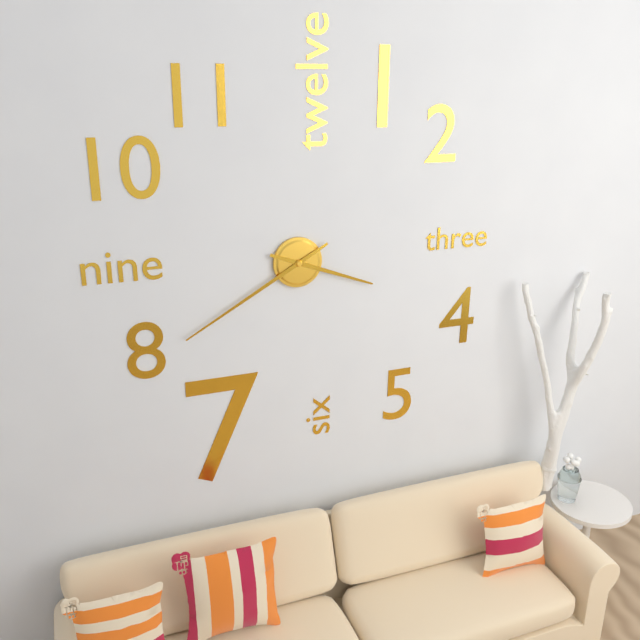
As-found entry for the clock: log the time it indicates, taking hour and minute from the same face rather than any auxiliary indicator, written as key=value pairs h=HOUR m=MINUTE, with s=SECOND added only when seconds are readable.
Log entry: h=3 m=40
